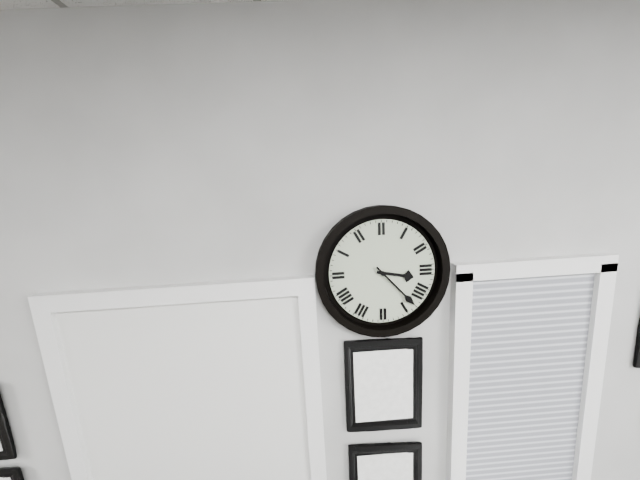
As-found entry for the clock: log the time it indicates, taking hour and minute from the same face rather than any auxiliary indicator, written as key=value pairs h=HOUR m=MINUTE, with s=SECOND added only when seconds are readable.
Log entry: h=3 m=23
